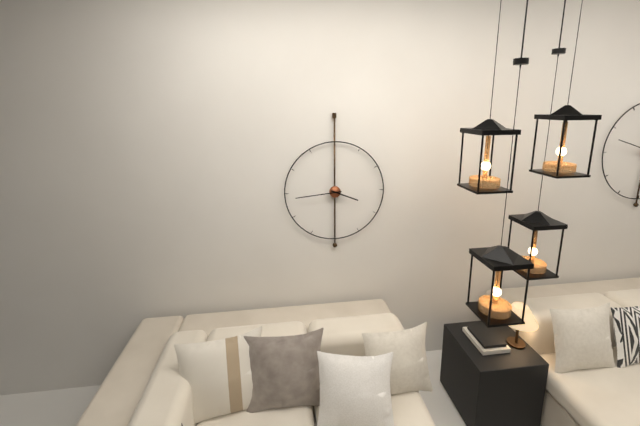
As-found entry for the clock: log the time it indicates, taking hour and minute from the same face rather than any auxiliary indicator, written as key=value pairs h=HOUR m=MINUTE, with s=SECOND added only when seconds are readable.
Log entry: h=3 m=44
